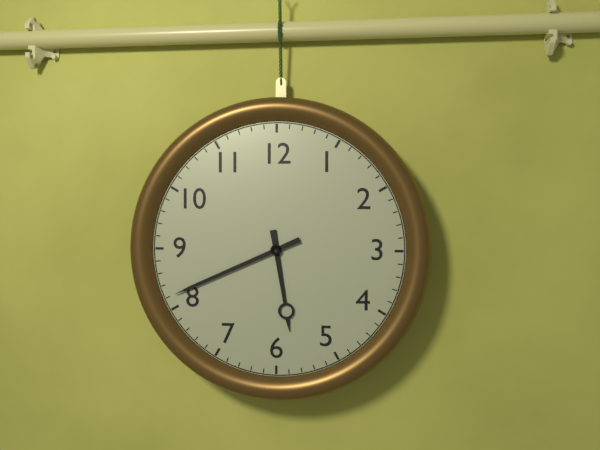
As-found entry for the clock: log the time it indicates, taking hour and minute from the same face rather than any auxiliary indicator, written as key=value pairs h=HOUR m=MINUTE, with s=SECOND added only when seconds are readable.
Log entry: h=5 m=41
